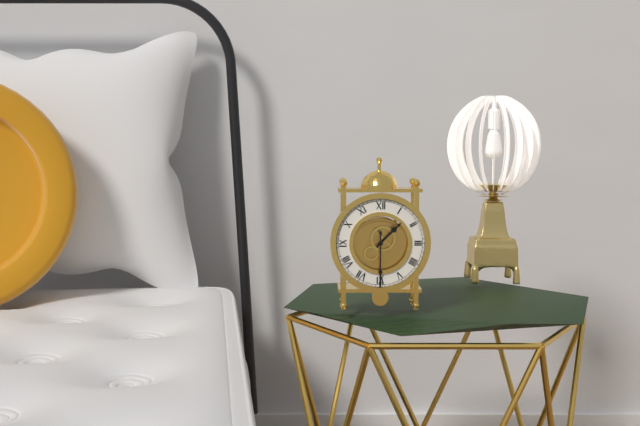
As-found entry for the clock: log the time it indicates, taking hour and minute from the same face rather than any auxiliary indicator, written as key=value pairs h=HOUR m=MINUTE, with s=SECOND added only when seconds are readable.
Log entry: h=1 m=30
